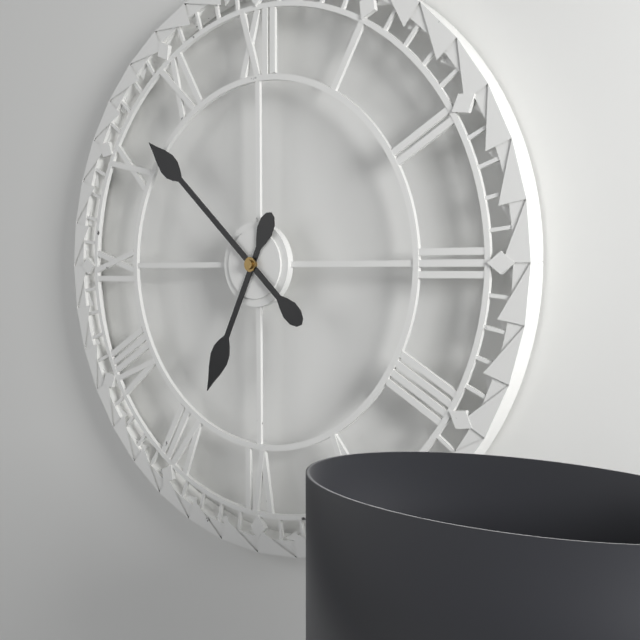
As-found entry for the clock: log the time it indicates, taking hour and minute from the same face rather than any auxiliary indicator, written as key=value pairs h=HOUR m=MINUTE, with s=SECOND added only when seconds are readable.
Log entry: h=6 m=52
